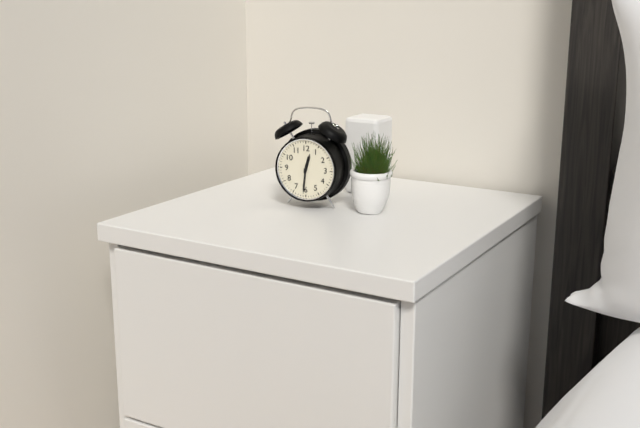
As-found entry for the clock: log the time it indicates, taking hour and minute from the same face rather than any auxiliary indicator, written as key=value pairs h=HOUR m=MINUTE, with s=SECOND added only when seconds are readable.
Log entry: h=12 m=31
